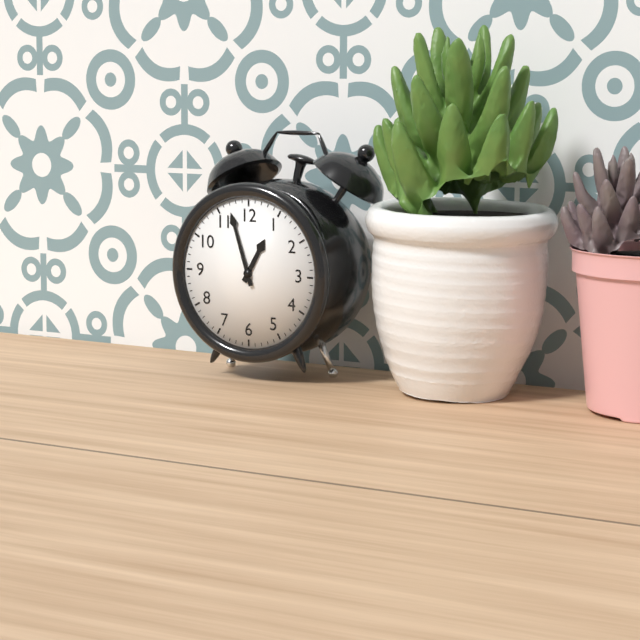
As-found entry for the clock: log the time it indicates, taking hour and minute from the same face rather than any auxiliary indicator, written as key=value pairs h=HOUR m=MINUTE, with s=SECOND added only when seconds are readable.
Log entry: h=12 m=57
